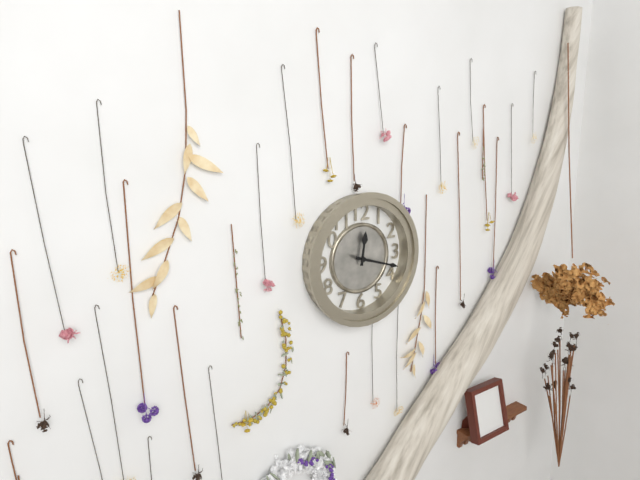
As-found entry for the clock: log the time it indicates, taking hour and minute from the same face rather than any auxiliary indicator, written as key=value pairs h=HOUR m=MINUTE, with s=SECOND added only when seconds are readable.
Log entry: h=12 m=18
